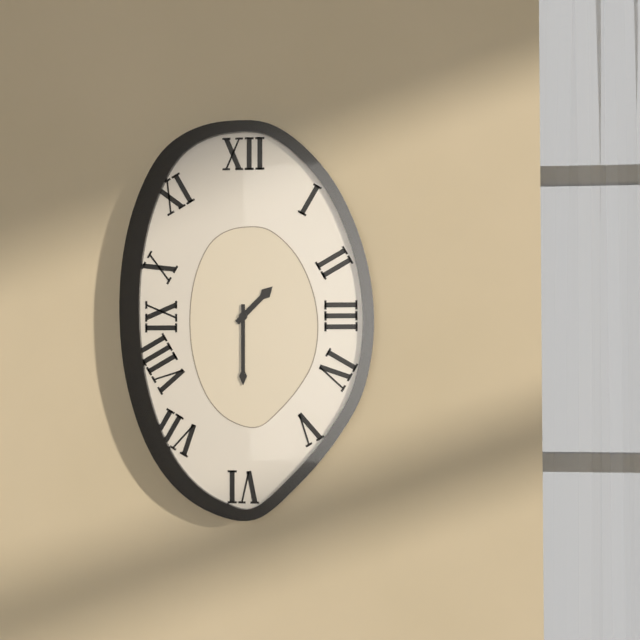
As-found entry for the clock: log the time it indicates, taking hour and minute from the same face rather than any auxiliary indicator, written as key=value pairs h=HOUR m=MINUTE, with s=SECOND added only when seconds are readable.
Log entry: h=1 m=30
